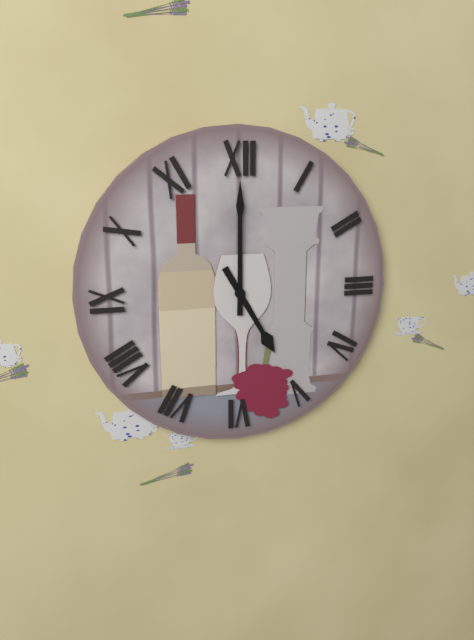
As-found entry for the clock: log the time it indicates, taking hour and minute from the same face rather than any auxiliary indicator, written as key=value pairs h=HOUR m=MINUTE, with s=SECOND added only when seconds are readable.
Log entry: h=5 m=0
